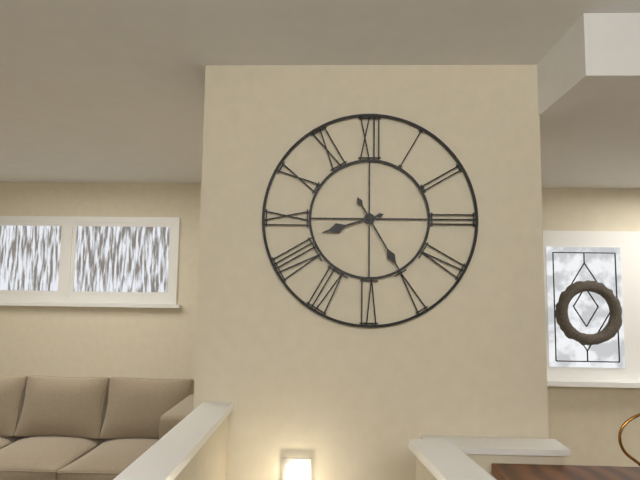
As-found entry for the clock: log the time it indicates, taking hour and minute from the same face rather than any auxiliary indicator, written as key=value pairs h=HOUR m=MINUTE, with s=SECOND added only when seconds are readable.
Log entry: h=8 m=25
